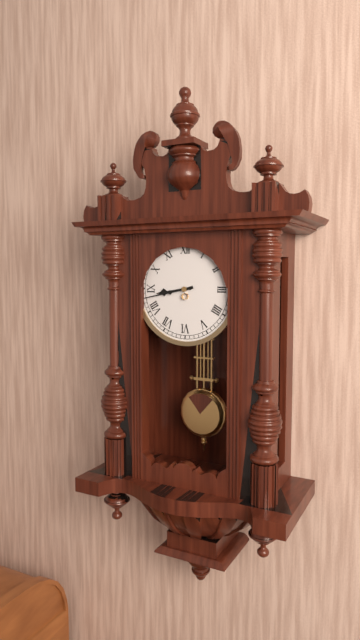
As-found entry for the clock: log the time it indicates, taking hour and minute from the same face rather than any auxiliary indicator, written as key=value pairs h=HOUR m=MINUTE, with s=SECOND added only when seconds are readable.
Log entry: h=8 m=43
